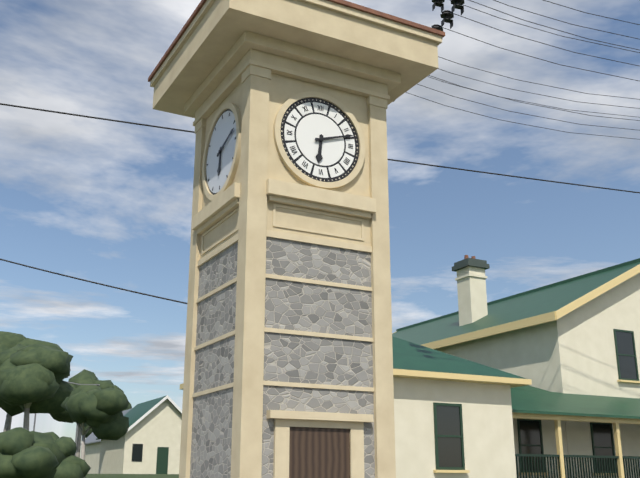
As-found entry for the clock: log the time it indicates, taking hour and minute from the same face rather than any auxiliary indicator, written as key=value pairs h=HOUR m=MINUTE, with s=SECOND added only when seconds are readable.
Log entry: h=6 m=12
